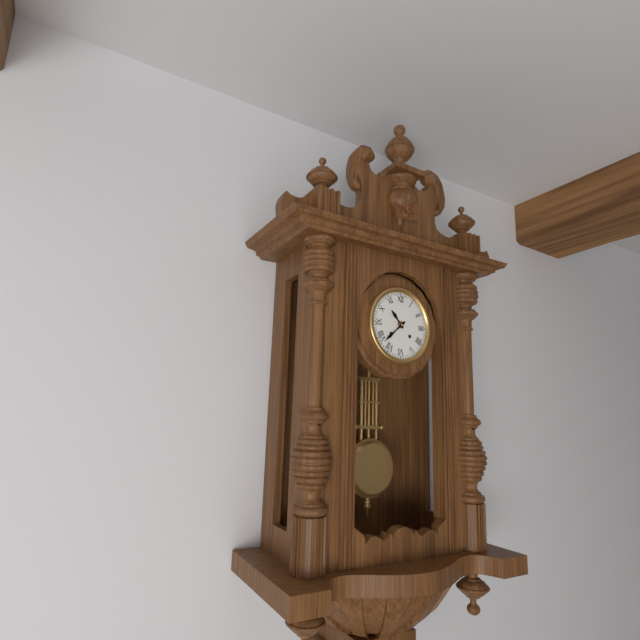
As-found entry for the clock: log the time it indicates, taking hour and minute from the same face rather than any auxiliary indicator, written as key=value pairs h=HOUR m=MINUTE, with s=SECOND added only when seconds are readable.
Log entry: h=10 m=38
